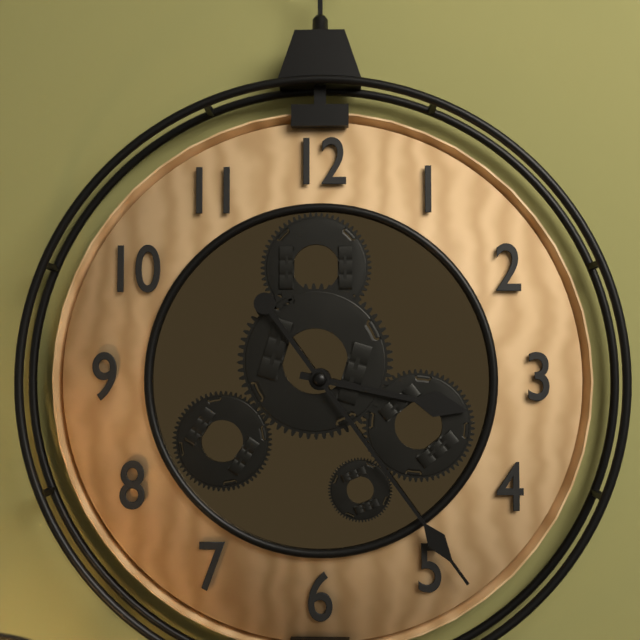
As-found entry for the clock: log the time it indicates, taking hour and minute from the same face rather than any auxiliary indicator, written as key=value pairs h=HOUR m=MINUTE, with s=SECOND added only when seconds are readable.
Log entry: h=3 m=24
